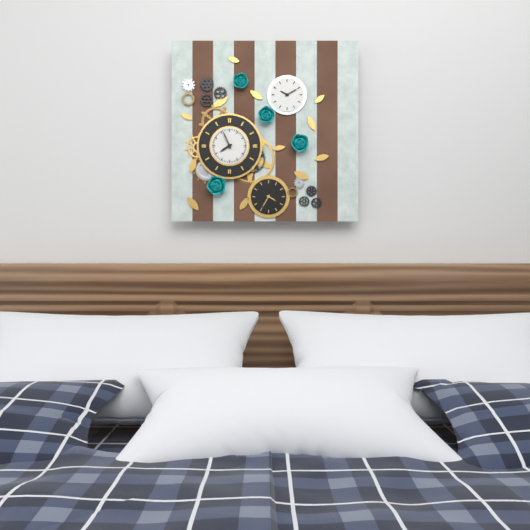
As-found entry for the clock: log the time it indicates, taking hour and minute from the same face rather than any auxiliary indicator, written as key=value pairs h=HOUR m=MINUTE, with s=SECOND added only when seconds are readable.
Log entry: h=7 m=56
